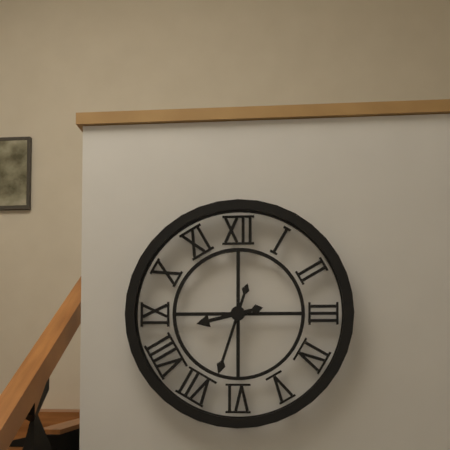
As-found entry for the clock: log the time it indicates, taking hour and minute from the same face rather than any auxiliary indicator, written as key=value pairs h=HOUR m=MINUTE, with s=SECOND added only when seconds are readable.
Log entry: h=8 m=33
